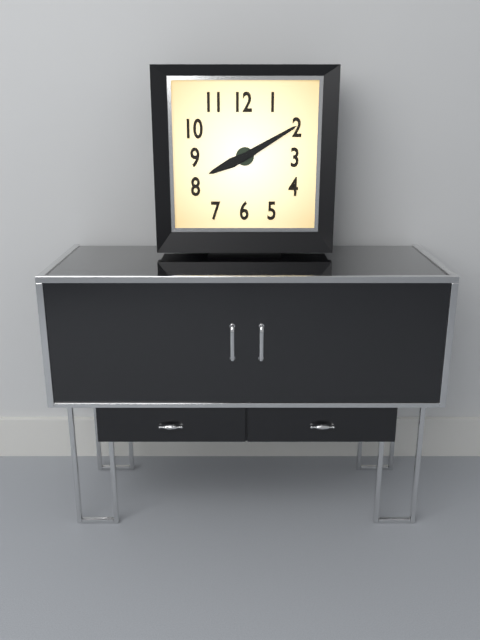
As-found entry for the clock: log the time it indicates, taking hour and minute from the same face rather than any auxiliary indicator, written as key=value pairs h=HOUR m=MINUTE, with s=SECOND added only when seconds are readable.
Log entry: h=8 m=10
